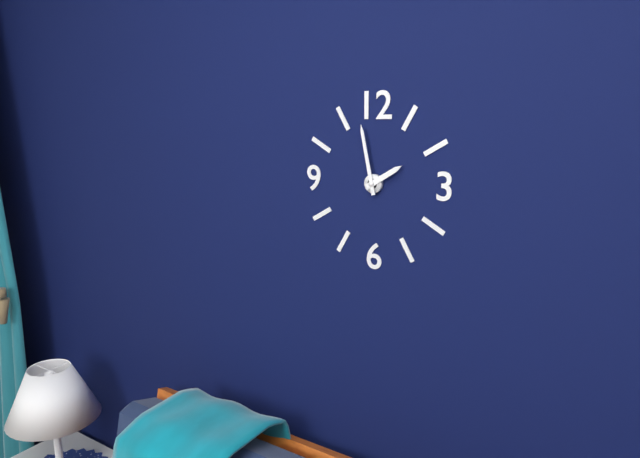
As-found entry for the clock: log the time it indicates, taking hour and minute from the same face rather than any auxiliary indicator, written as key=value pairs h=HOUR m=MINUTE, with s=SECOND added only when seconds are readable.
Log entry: h=1 m=58
